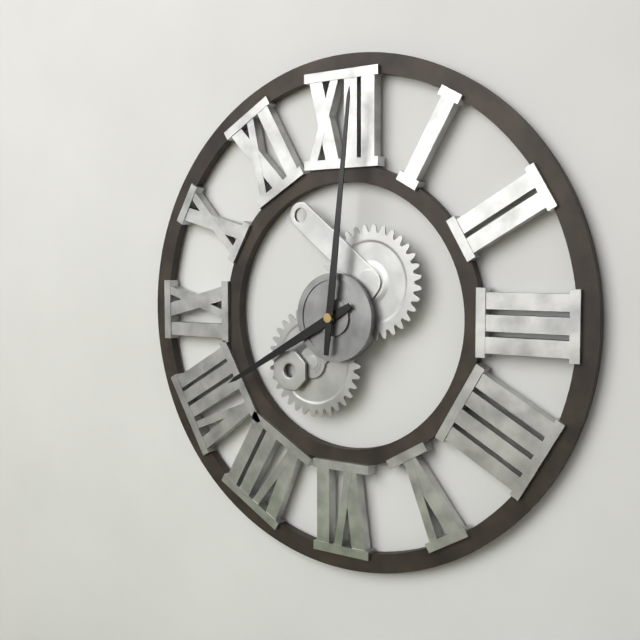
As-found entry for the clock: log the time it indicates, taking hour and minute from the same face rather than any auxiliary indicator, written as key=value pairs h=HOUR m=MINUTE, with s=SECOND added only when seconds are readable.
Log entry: h=8 m=1
